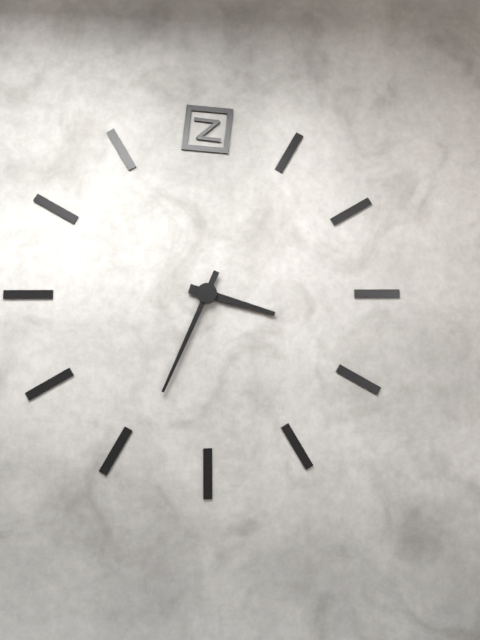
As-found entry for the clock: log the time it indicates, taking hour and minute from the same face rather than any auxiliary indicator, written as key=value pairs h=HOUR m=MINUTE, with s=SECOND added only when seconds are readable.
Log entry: h=3 m=34
